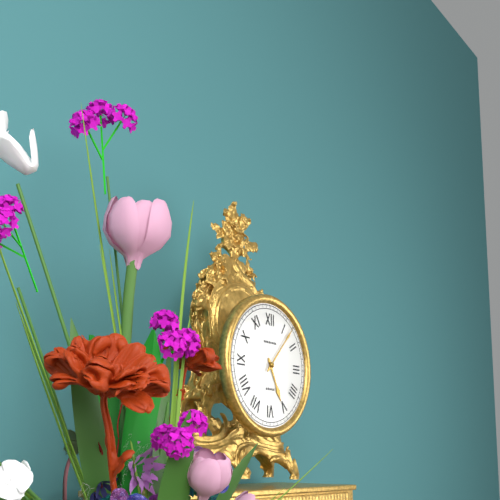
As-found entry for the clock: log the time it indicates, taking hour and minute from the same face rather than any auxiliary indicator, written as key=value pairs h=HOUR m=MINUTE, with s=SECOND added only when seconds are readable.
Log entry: h=5 m=7
